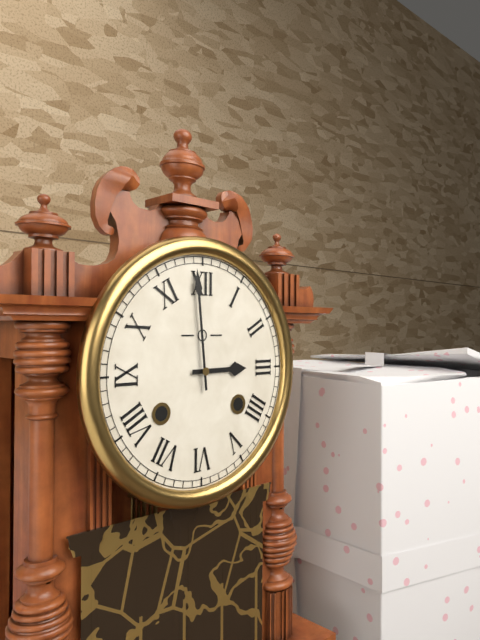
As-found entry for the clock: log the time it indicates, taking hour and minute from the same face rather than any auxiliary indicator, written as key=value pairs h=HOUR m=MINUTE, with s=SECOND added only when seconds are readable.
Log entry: h=2 m=59
